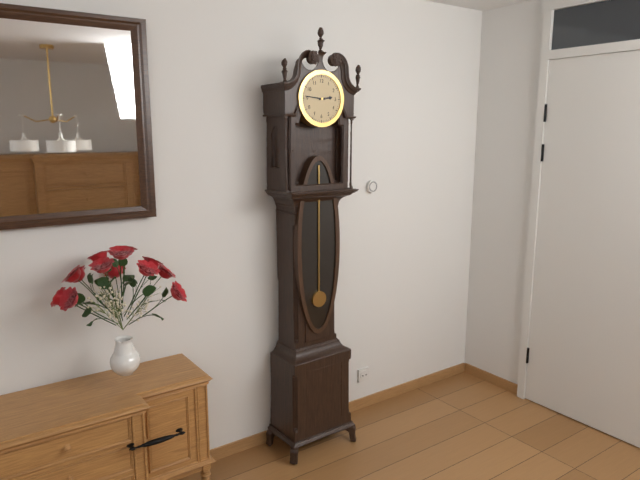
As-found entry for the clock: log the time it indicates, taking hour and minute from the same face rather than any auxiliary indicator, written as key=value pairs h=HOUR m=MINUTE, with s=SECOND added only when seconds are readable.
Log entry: h=2 m=46
